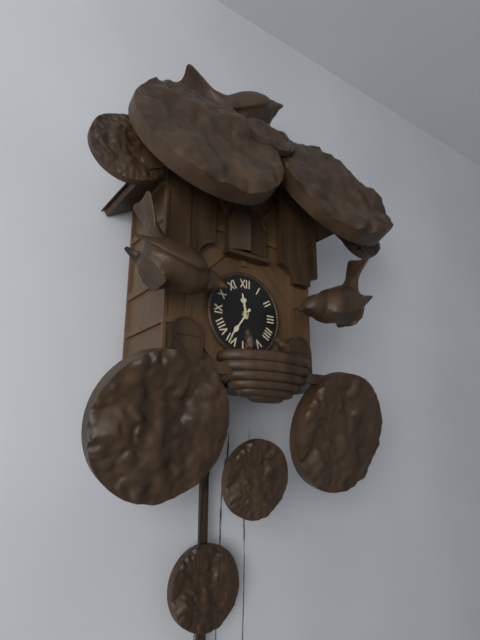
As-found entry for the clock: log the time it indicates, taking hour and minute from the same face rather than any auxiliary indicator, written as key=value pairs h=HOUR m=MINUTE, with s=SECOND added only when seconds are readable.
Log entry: h=11 m=36
